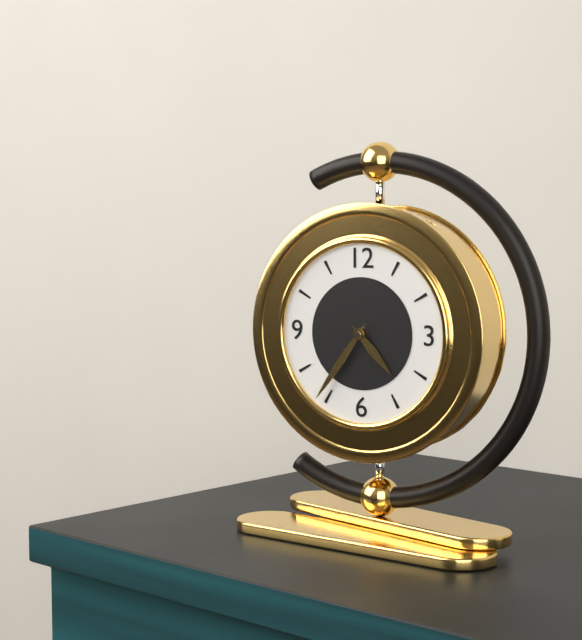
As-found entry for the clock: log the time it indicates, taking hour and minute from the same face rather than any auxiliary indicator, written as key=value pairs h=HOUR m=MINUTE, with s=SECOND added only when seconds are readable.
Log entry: h=4 m=36
